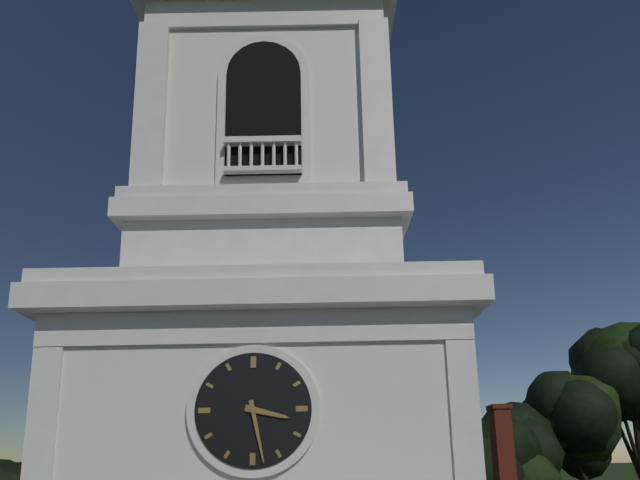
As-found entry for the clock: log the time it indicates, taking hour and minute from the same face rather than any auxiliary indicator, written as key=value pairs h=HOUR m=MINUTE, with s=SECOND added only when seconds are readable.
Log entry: h=3 m=28
